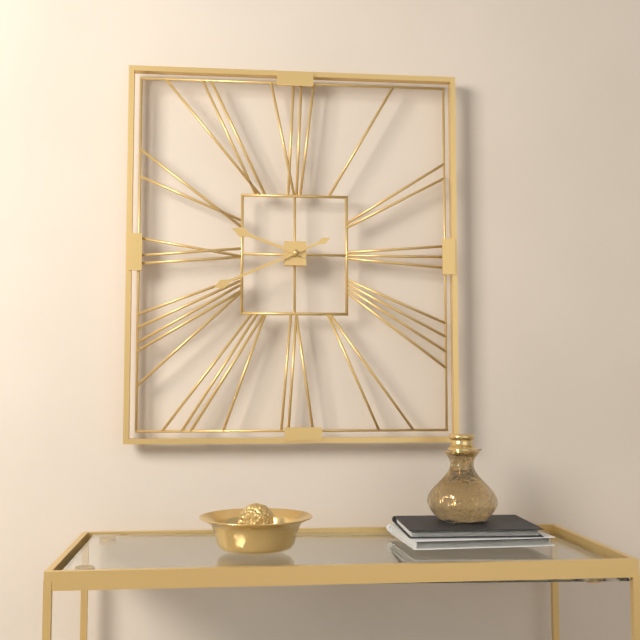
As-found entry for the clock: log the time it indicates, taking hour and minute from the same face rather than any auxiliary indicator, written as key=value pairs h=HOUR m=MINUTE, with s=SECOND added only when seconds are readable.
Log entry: h=9 m=41
